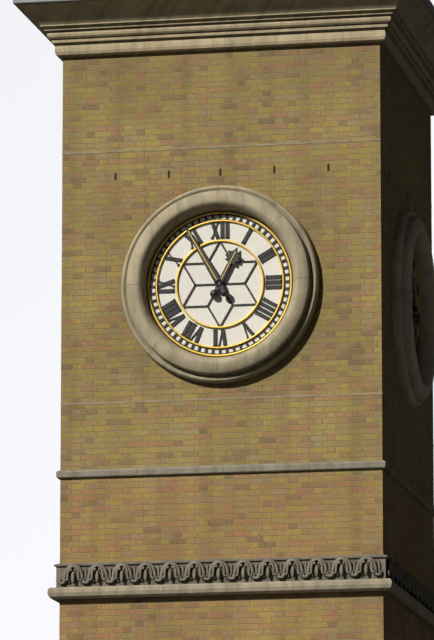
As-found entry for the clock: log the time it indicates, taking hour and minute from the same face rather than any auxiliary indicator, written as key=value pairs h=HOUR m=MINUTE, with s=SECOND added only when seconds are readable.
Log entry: h=12 m=55
